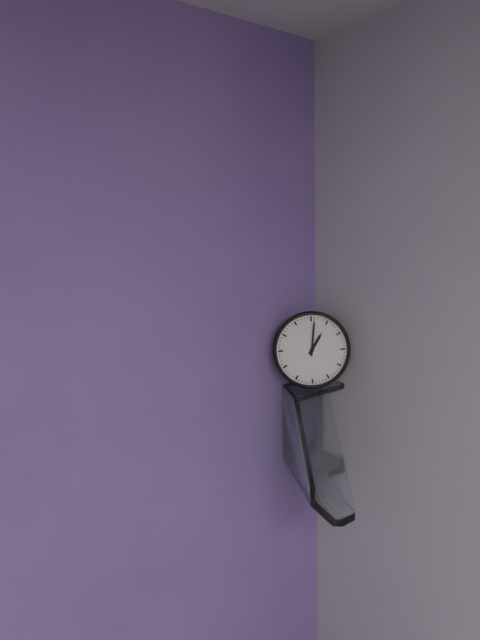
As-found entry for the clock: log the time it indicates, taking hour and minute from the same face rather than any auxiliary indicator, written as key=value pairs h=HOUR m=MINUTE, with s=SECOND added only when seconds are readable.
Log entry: h=1 m=1
